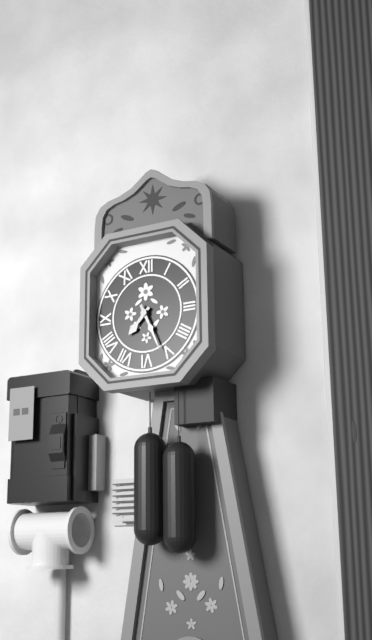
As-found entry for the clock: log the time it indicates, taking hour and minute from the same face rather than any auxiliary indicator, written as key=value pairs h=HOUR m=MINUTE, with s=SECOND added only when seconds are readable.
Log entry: h=7 m=26
